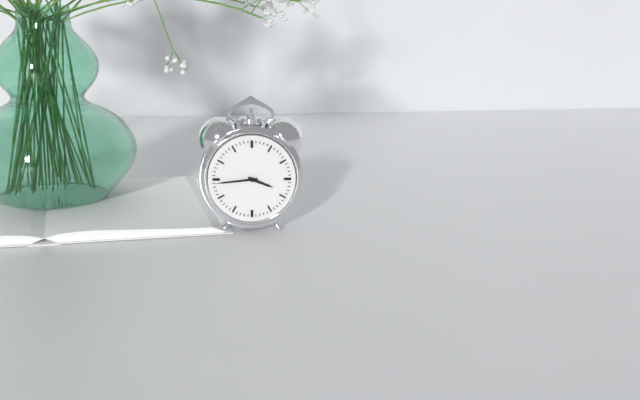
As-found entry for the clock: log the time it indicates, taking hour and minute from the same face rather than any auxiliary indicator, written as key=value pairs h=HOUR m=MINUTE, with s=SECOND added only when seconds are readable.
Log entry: h=3 m=44
